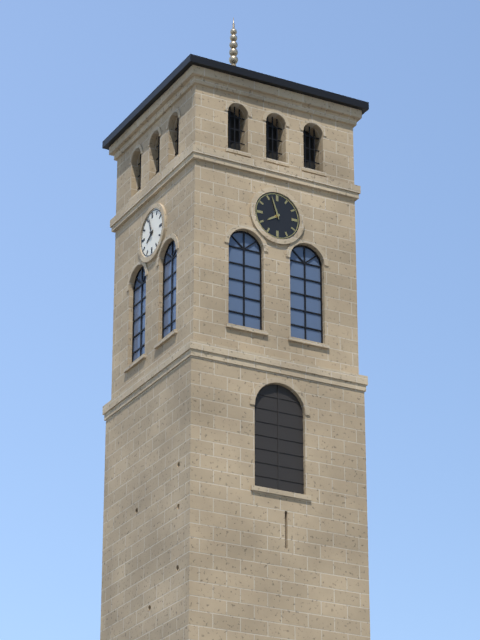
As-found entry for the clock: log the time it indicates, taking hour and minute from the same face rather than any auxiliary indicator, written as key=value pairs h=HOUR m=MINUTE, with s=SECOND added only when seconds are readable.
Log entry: h=7 m=57
